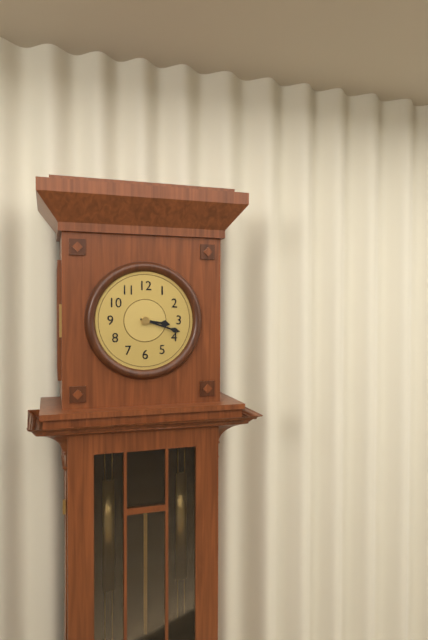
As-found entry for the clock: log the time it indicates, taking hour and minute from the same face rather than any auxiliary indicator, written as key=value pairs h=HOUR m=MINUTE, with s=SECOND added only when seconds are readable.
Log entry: h=3 m=18
